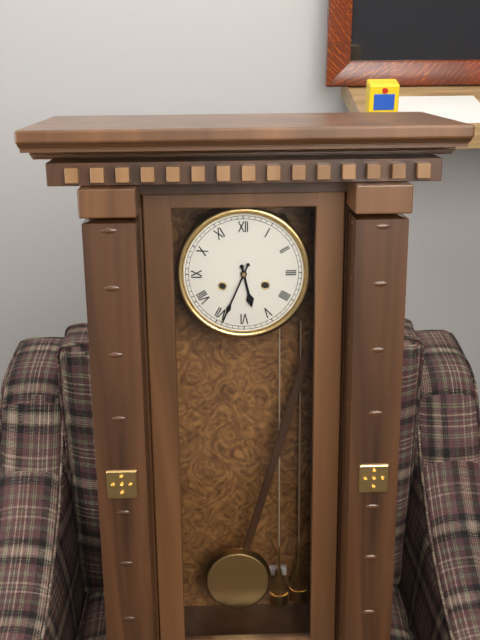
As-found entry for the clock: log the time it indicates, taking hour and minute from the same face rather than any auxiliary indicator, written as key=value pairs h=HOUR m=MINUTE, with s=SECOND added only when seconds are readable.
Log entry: h=5 m=34
